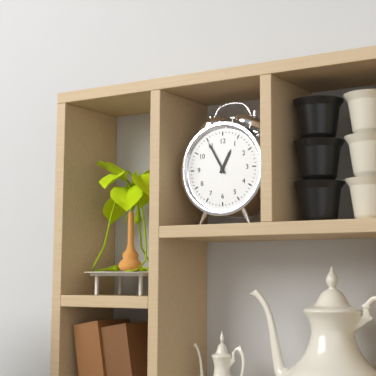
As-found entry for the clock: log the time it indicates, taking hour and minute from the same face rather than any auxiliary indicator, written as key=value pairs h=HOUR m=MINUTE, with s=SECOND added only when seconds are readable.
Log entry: h=12 m=55
